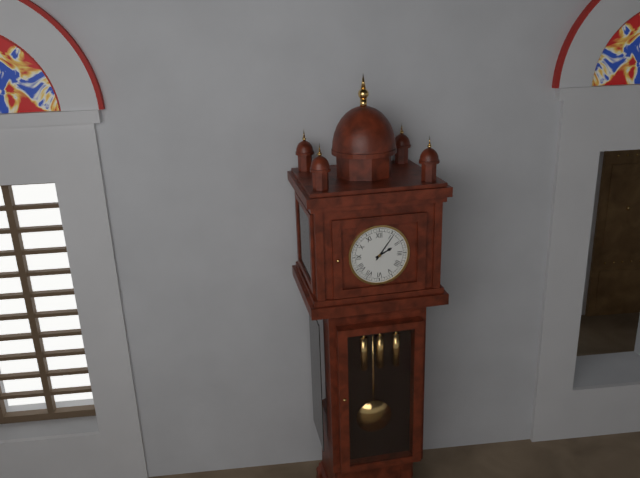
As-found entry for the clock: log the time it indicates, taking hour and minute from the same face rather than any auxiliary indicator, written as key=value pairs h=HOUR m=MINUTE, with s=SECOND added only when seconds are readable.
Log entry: h=2 m=6
